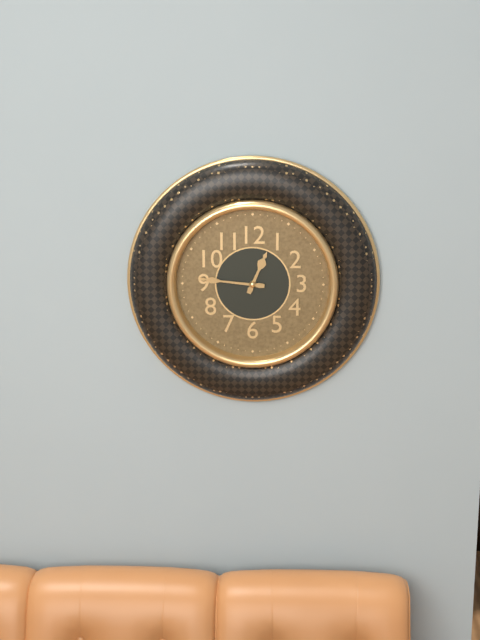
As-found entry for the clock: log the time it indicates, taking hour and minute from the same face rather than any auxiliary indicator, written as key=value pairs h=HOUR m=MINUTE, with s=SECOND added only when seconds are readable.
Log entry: h=12 m=46
